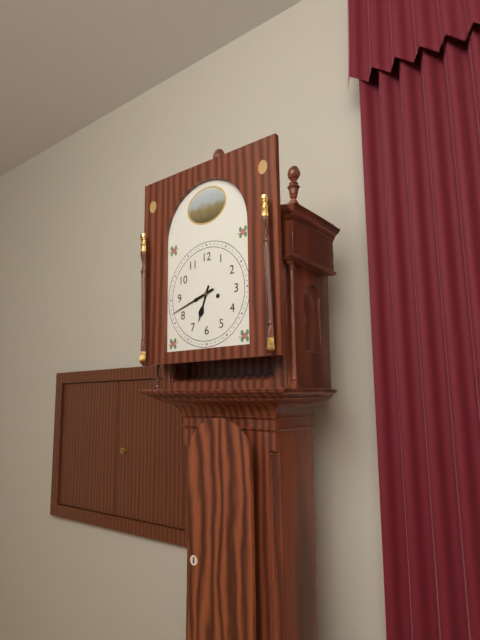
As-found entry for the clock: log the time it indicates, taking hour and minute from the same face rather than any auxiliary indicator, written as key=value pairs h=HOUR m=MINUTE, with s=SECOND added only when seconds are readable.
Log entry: h=6 m=42
